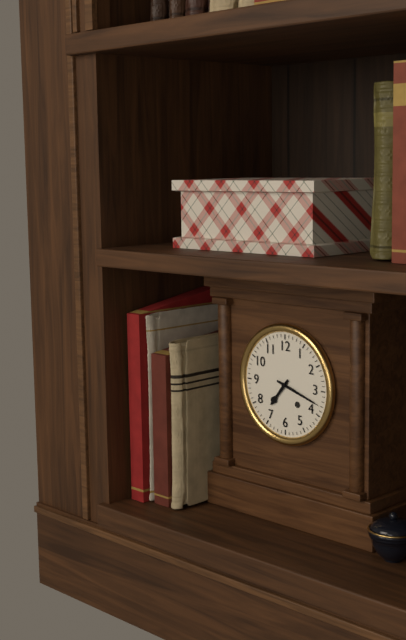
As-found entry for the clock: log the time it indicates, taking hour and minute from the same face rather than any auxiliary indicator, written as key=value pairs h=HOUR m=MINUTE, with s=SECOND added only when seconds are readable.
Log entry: h=7 m=18
